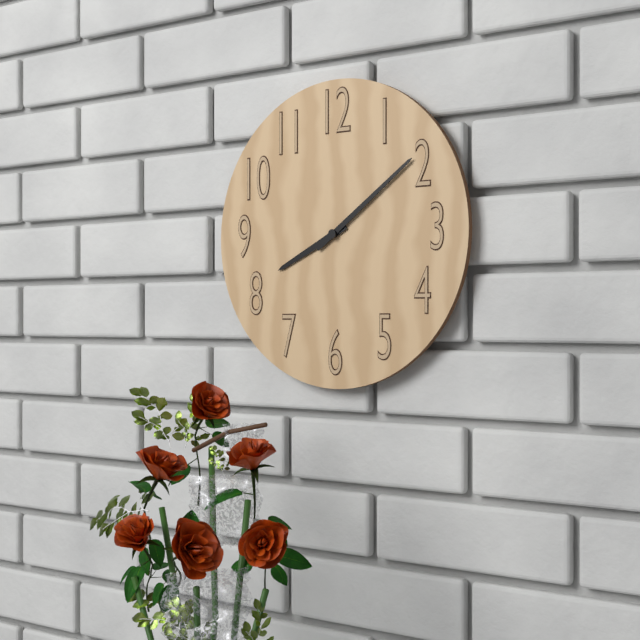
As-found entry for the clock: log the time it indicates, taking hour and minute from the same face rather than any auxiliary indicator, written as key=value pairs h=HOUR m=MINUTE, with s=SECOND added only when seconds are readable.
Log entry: h=8 m=9
